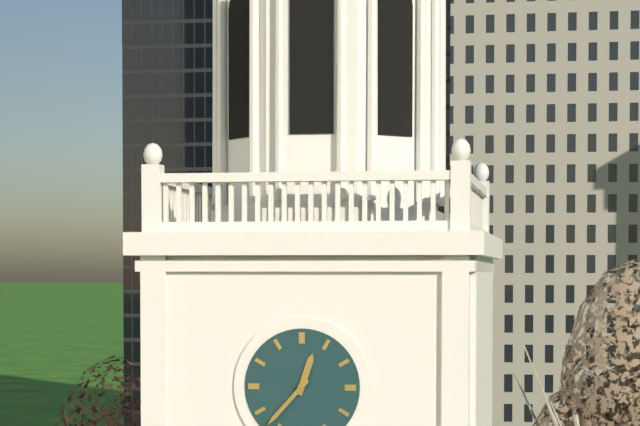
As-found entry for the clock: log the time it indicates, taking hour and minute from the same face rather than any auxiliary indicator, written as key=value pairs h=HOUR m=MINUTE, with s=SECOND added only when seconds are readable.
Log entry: h=12 m=37
